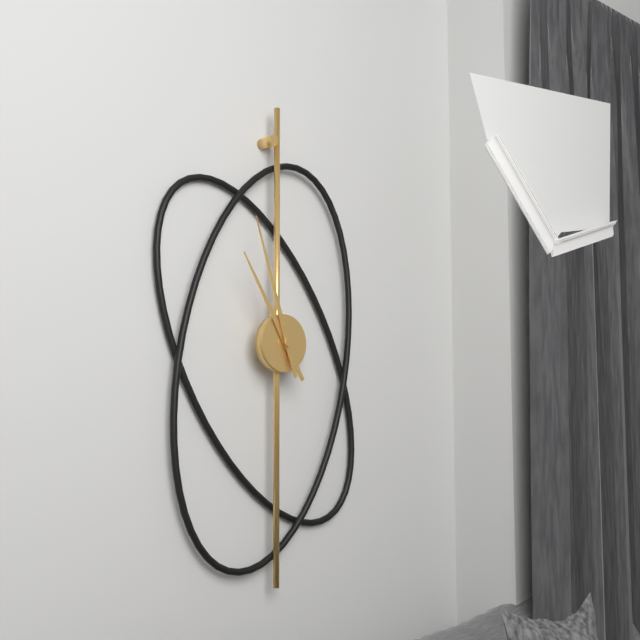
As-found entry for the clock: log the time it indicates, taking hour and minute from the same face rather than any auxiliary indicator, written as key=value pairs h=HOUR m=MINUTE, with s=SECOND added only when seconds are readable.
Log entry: h=10 m=57
